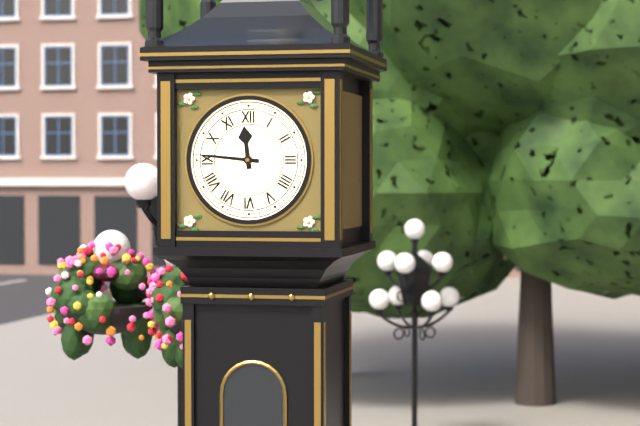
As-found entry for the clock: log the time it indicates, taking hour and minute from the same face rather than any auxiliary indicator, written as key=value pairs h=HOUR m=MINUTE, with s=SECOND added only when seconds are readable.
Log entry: h=11 m=46
